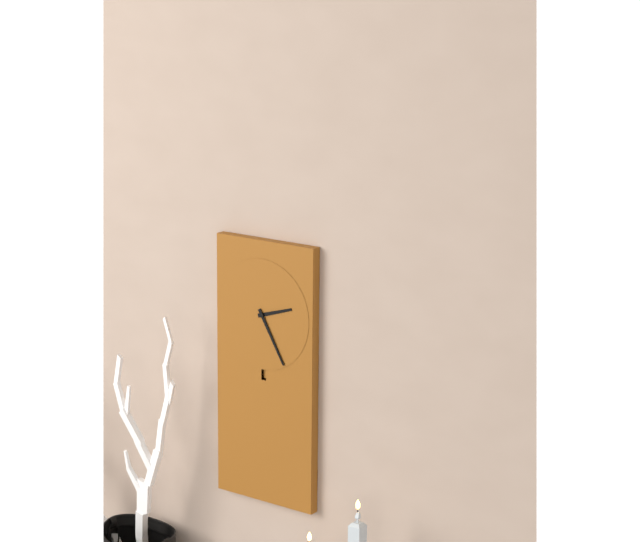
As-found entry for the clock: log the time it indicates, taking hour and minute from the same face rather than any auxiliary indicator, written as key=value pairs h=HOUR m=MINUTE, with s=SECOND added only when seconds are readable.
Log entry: h=2 m=25
